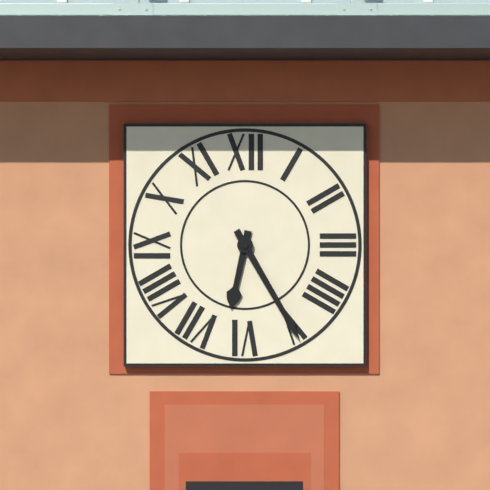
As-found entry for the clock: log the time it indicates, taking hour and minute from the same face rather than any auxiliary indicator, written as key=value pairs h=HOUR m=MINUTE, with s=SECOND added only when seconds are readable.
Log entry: h=6 m=25
